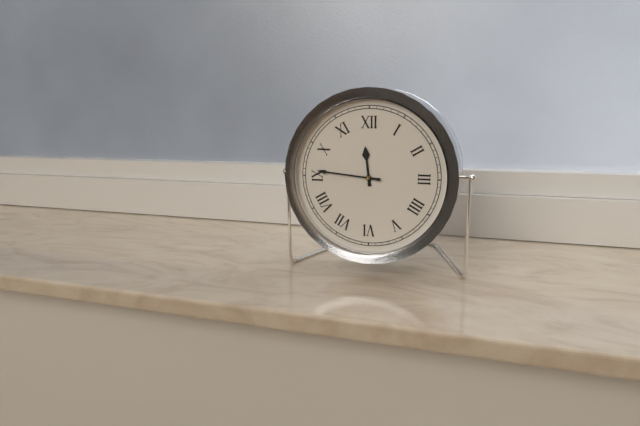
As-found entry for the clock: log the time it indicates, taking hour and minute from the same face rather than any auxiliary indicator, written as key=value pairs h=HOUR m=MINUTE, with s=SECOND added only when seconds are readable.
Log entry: h=11 m=46
